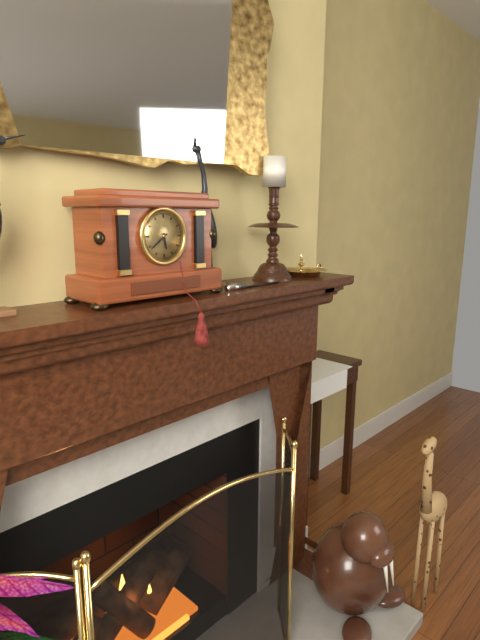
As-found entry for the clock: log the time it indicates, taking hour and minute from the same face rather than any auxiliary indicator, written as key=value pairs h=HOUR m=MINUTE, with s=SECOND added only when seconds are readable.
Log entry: h=5 m=39
